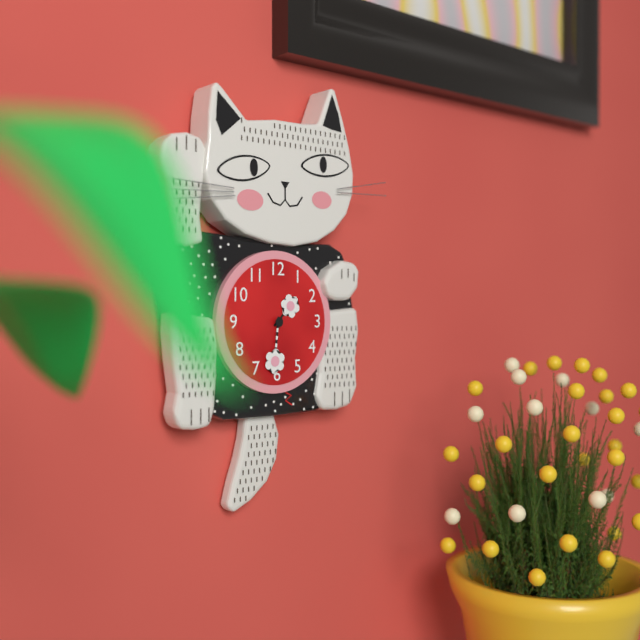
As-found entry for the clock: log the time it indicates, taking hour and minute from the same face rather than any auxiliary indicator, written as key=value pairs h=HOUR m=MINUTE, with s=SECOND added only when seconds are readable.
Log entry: h=1 m=31
